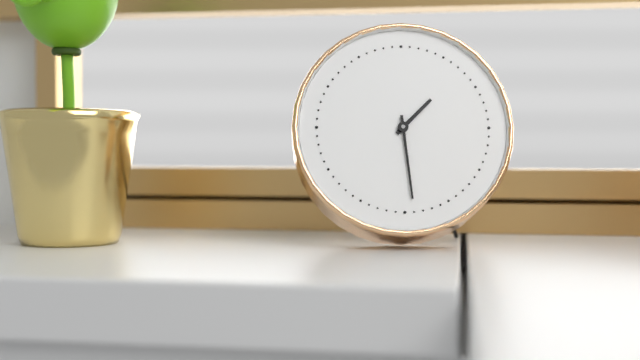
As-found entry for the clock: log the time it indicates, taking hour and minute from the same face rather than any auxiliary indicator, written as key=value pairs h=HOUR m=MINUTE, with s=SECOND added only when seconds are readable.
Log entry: h=1 m=29
